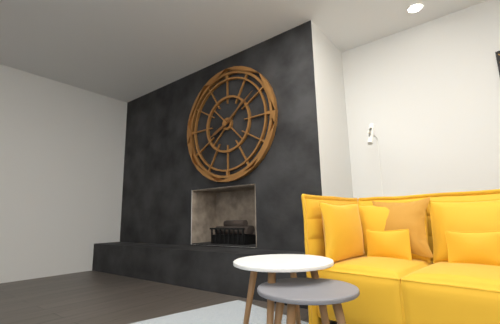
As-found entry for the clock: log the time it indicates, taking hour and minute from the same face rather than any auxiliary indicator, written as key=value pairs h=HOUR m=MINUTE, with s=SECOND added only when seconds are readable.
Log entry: h=8 m=9
